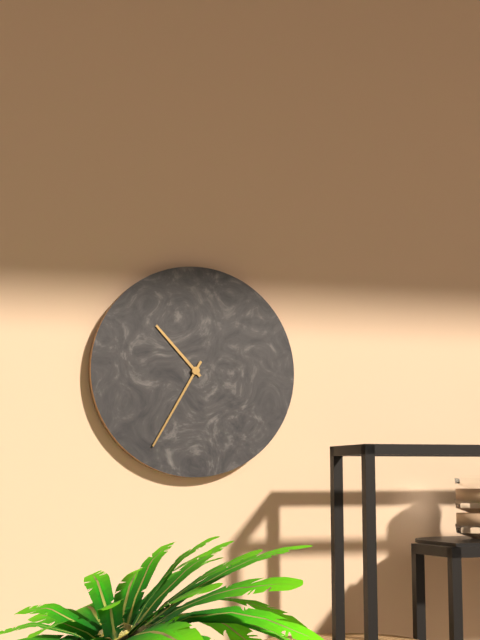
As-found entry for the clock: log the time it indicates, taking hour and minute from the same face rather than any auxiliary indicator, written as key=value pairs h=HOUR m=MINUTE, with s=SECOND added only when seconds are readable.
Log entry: h=10 m=35
